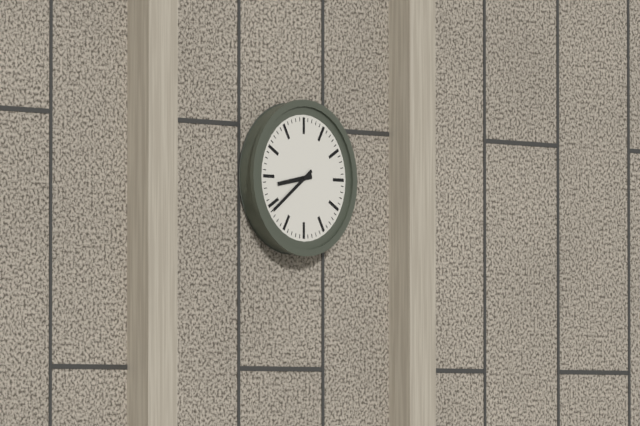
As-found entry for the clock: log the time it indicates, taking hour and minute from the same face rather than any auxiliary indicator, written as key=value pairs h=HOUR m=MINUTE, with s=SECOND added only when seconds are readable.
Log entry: h=8 m=39
